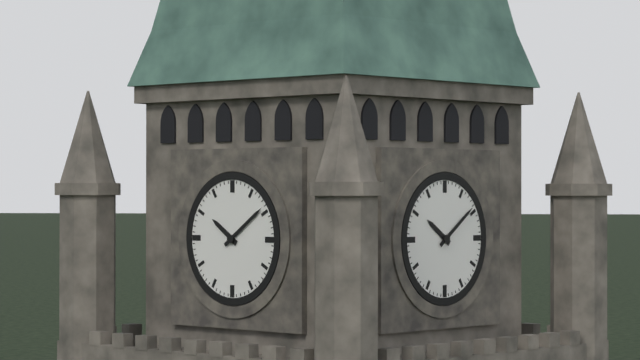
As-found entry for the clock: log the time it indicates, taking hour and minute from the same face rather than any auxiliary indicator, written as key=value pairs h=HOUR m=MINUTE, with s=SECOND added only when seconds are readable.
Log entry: h=10 m=9
